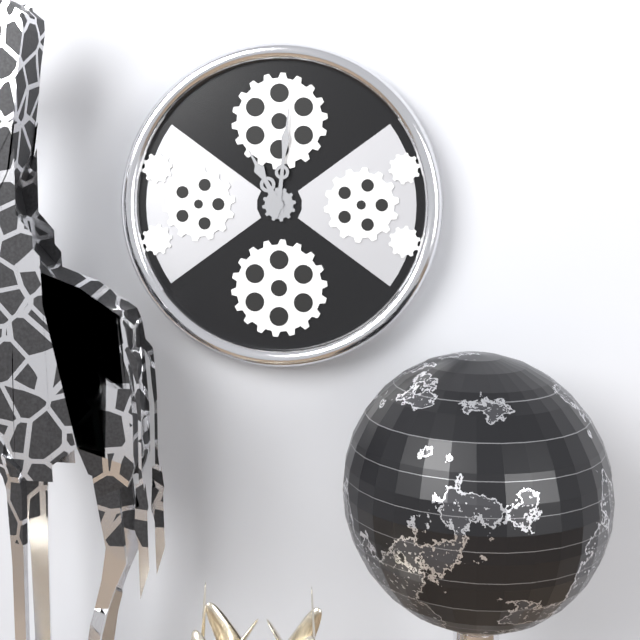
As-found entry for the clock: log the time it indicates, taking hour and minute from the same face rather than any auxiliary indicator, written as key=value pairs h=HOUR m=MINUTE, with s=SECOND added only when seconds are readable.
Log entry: h=11 m=1
